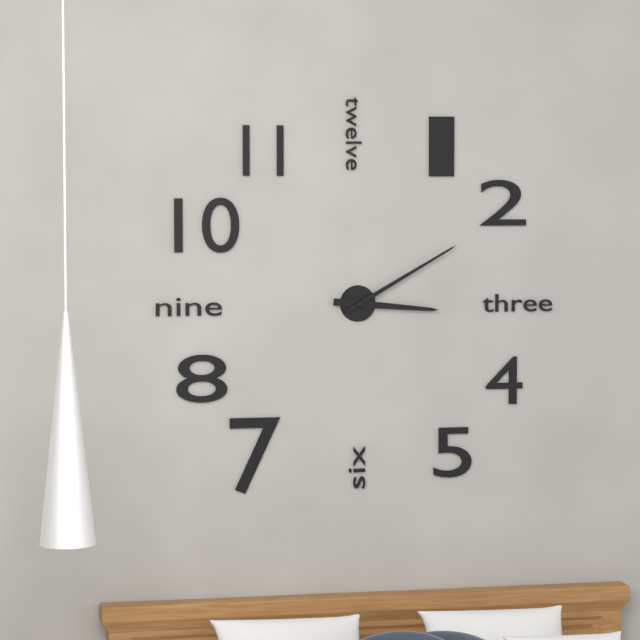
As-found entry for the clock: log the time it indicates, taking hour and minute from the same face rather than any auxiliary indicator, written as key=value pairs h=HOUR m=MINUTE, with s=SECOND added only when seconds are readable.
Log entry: h=3 m=10
